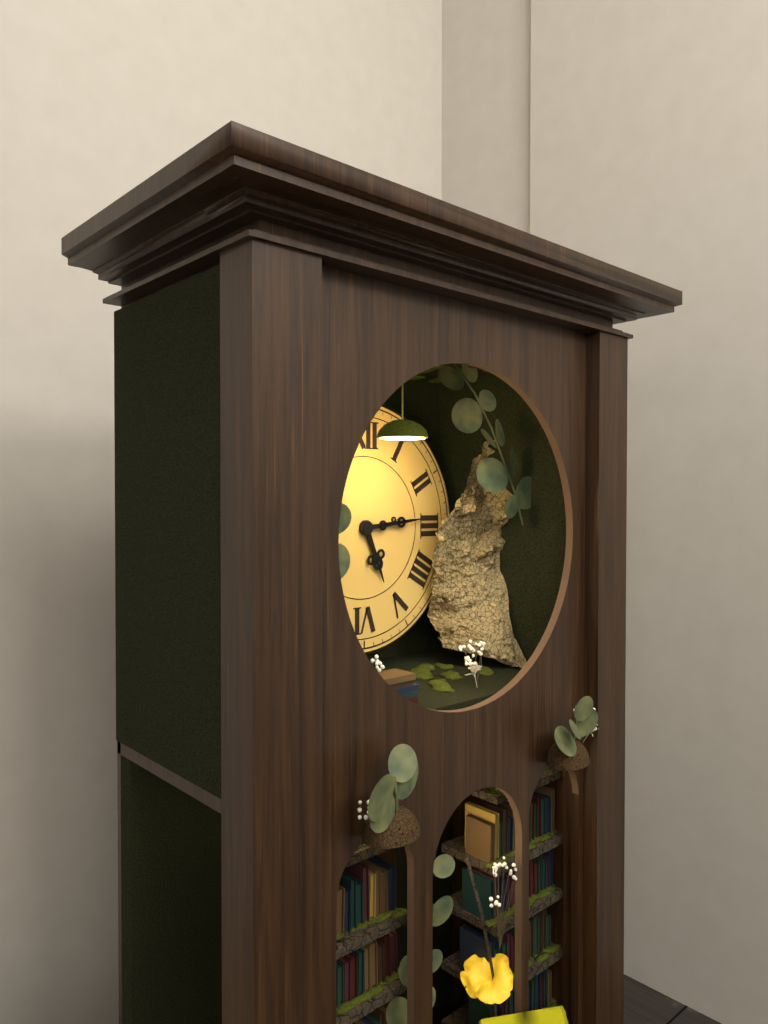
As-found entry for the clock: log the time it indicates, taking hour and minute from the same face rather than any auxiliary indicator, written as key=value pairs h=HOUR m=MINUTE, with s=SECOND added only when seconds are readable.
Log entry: h=5 m=14
